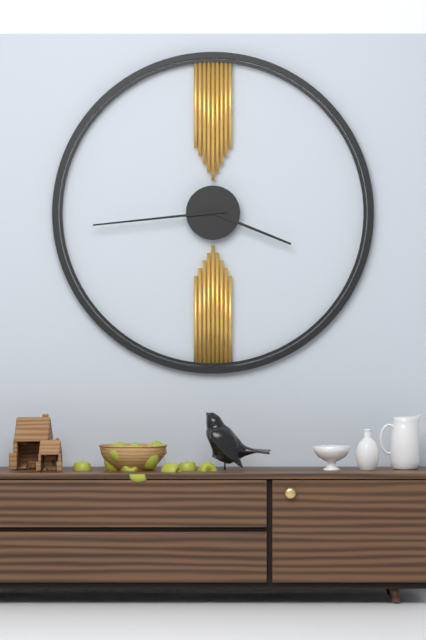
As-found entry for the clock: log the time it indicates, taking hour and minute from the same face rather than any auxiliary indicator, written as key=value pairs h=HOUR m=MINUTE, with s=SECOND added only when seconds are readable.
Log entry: h=3 m=44
